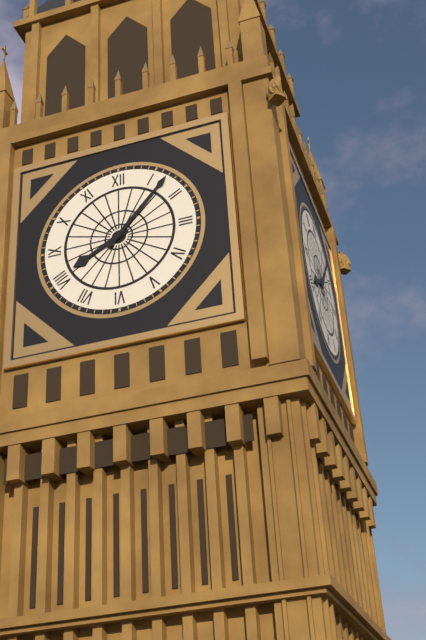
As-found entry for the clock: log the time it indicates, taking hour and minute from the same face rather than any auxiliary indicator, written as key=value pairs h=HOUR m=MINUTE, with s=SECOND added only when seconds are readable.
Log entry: h=8 m=7
